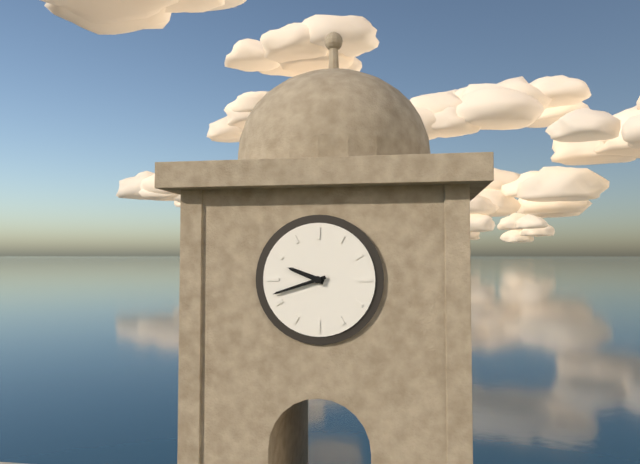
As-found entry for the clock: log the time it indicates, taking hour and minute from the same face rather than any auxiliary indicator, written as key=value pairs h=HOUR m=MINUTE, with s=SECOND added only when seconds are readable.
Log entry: h=9 m=42
